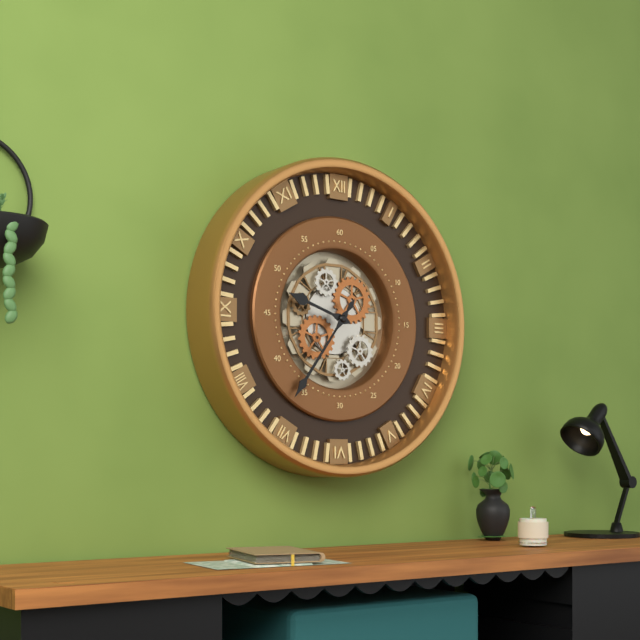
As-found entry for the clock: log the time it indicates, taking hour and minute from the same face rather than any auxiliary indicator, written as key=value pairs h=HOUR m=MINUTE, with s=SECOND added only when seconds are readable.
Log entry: h=9 m=36
